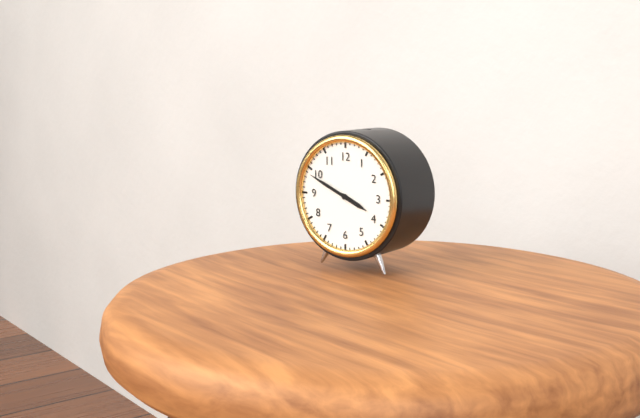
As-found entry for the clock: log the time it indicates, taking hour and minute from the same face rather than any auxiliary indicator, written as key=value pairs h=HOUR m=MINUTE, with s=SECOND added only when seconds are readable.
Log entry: h=3 m=49
